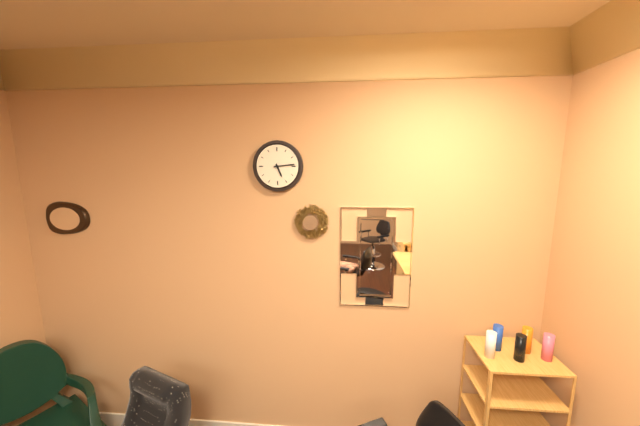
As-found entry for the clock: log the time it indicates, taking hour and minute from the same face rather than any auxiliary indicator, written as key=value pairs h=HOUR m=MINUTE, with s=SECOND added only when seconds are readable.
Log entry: h=5 m=14
